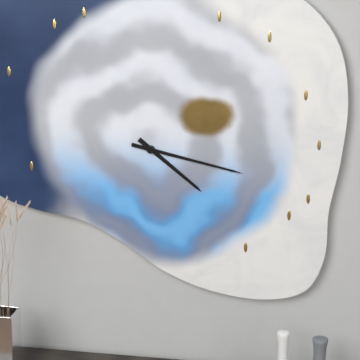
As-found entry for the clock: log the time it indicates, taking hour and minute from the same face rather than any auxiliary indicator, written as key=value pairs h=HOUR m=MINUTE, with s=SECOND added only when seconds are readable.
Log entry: h=4 m=17
